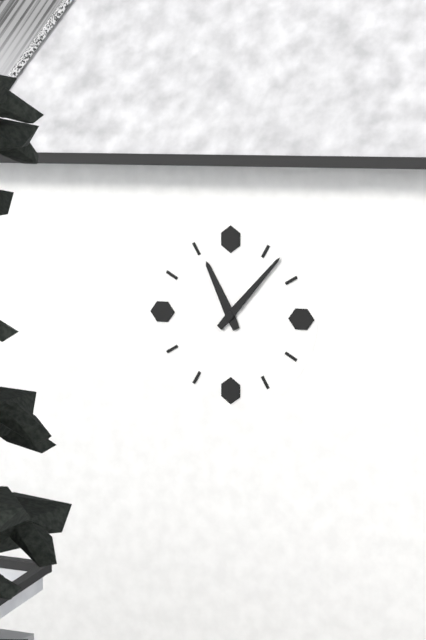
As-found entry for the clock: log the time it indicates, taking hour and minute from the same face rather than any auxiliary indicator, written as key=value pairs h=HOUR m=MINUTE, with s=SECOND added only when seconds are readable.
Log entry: h=11 m=7
